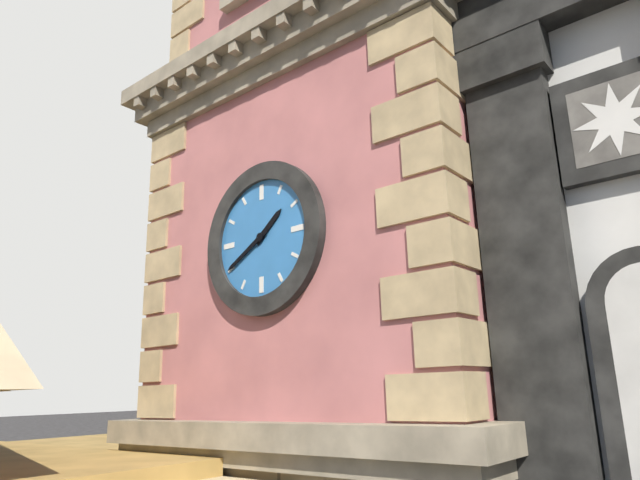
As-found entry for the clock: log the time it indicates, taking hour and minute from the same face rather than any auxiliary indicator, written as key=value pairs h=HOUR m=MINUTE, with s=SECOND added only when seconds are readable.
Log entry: h=1 m=40
